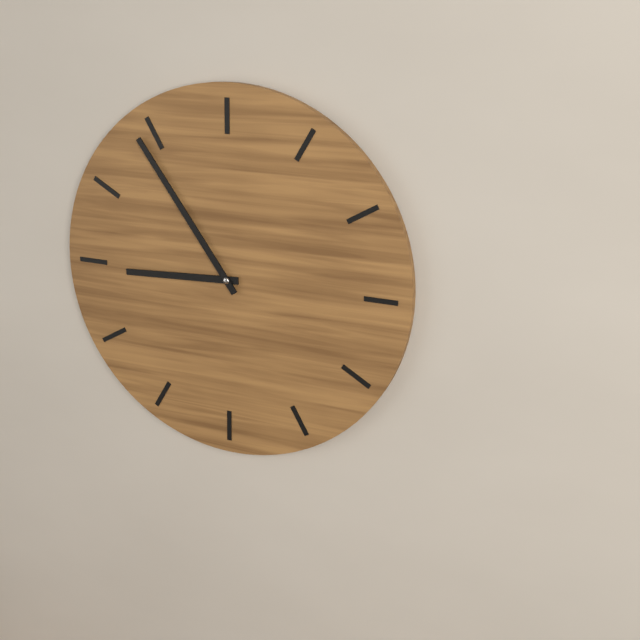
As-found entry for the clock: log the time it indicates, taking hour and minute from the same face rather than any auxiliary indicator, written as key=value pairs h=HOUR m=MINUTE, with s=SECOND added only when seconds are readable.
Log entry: h=8 m=54
